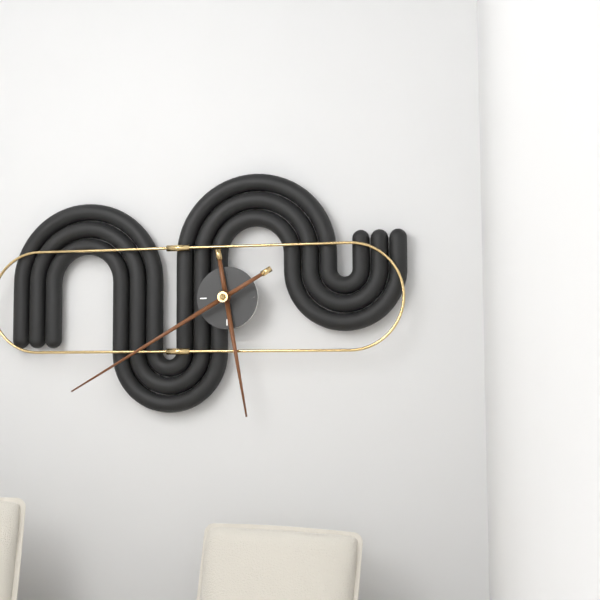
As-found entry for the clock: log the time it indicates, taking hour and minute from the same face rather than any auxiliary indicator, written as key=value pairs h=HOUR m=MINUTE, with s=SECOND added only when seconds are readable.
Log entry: h=5 m=40
